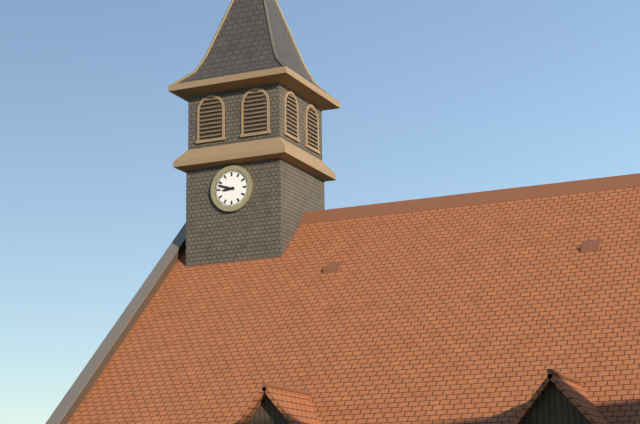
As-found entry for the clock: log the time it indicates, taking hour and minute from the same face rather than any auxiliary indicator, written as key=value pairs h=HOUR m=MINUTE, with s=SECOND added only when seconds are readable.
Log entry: h=8 m=48
